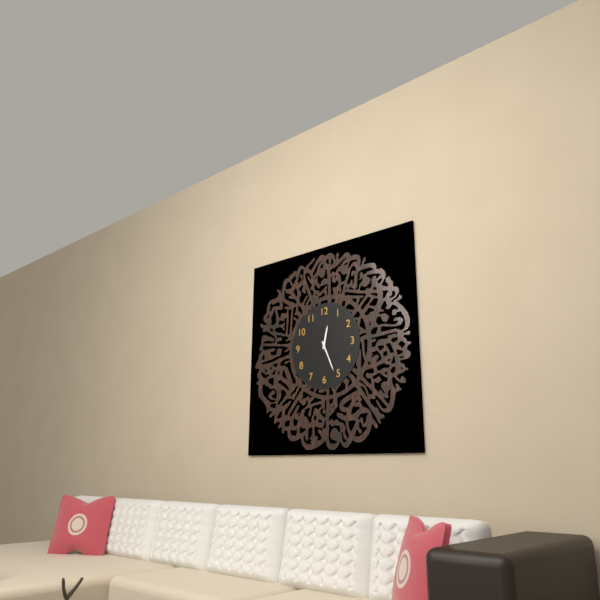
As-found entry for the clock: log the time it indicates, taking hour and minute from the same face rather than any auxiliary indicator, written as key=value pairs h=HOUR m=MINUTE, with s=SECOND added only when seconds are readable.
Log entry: h=12 m=26
